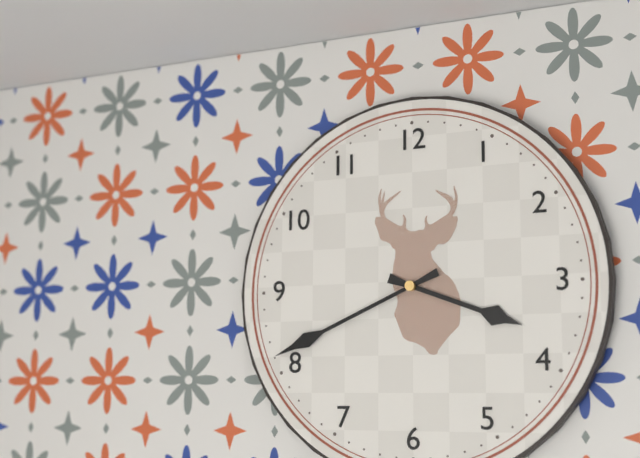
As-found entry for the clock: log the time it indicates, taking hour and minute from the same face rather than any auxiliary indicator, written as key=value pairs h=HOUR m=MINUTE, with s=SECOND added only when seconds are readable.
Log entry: h=3 m=41
